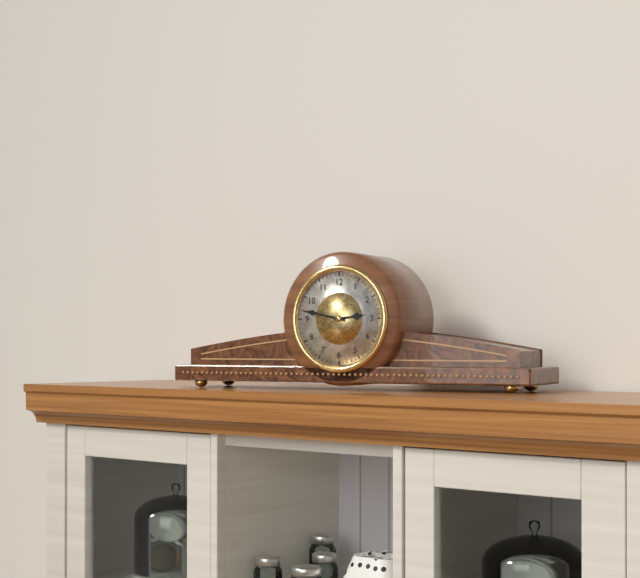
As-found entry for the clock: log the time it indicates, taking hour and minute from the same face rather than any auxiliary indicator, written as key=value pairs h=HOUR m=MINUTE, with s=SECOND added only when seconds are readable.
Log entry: h=2 m=47
